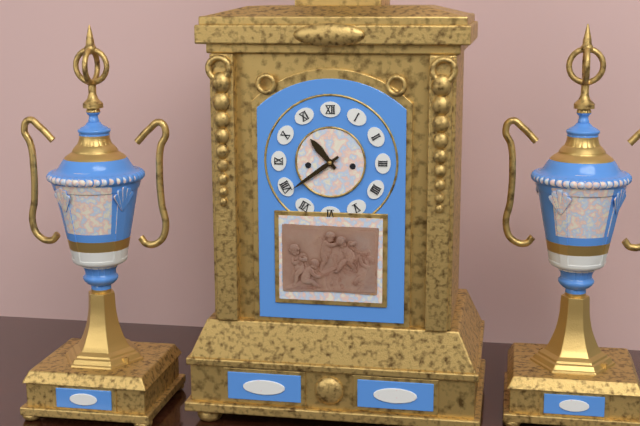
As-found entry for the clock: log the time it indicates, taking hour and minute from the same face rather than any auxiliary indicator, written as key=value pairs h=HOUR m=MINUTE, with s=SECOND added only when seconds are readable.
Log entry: h=10 m=39
